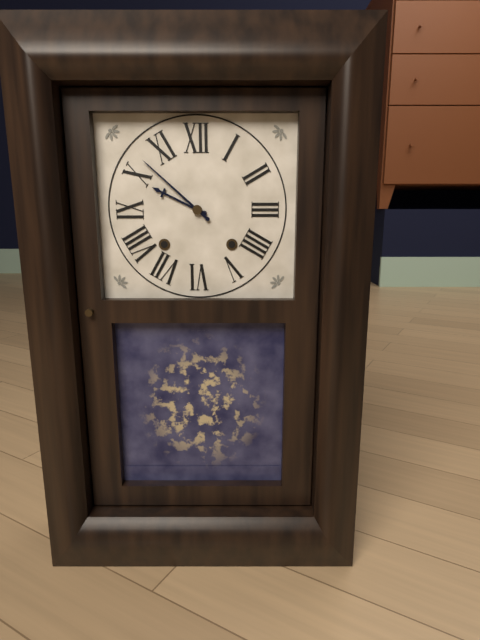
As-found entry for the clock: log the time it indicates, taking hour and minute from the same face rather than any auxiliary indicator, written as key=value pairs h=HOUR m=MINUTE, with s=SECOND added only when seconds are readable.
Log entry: h=9 m=52
